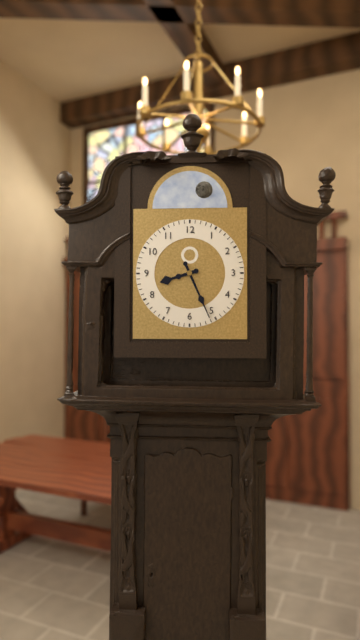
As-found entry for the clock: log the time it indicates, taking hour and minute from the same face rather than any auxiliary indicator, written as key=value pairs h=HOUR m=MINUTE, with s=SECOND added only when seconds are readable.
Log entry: h=8 m=26
